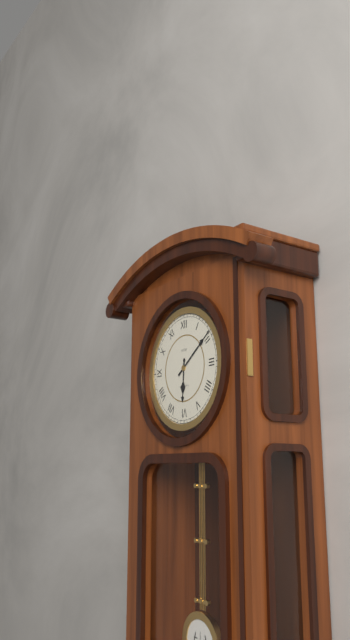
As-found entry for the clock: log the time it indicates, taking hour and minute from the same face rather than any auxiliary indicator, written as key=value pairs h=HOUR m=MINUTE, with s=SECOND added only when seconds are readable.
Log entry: h=6 m=9
